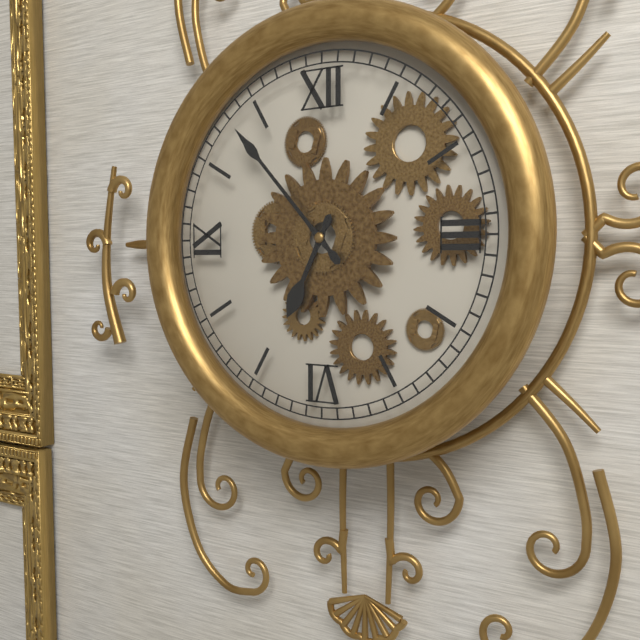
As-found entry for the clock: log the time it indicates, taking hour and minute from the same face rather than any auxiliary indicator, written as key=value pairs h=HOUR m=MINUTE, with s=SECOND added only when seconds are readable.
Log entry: h=6 m=53
